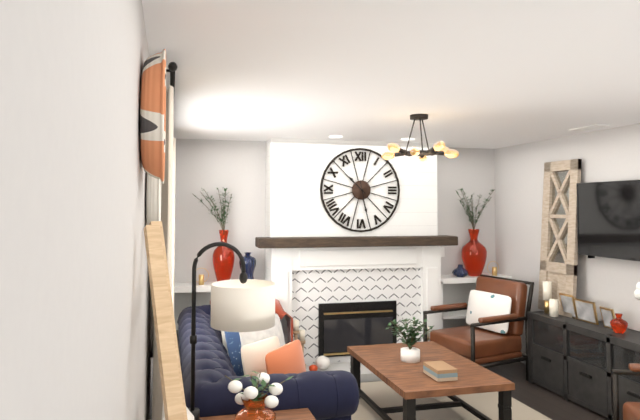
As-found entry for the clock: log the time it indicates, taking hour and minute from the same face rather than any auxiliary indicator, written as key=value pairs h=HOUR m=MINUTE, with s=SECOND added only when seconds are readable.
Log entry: h=10 m=28
